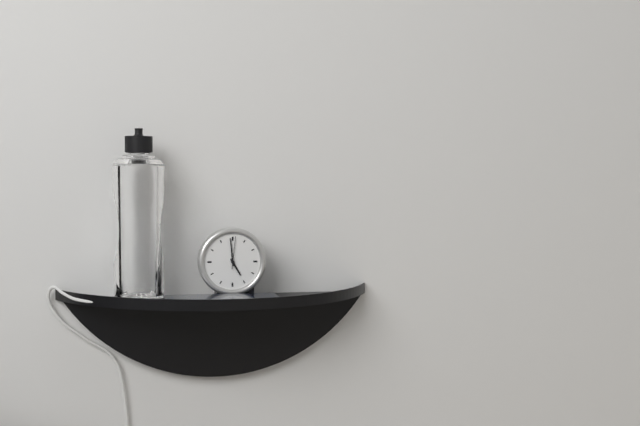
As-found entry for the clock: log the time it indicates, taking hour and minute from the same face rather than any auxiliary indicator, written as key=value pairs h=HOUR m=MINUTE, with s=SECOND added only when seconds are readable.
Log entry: h=4 m=59
